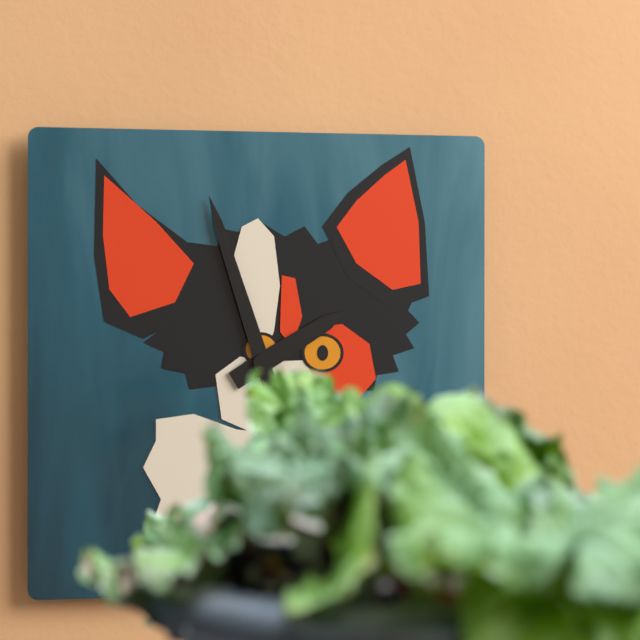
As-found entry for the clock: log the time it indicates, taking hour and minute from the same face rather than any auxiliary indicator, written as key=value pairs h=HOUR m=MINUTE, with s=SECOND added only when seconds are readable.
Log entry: h=1 m=57
